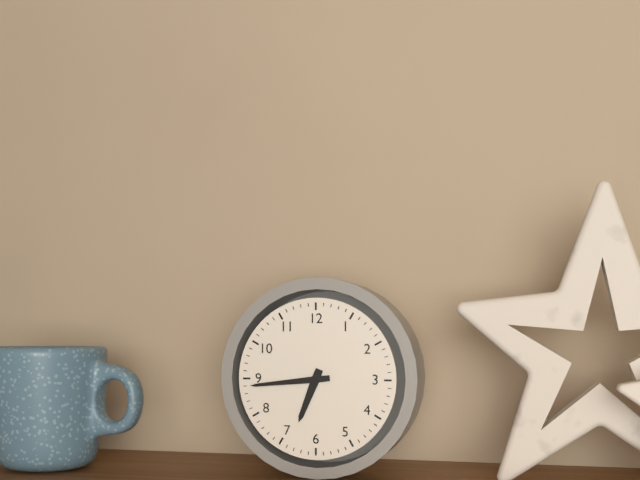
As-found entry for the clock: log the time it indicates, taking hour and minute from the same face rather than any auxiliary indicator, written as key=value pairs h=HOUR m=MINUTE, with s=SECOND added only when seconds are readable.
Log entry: h=6 m=44
